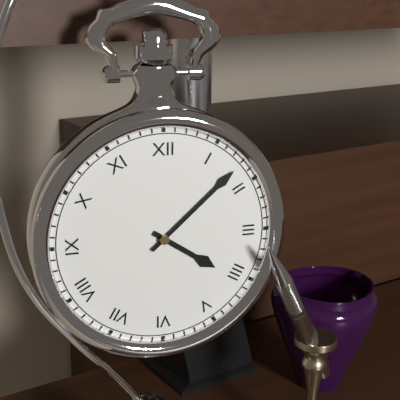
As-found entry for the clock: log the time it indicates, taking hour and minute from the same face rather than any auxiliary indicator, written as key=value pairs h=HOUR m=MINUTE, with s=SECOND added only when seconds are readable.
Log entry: h=4 m=8
